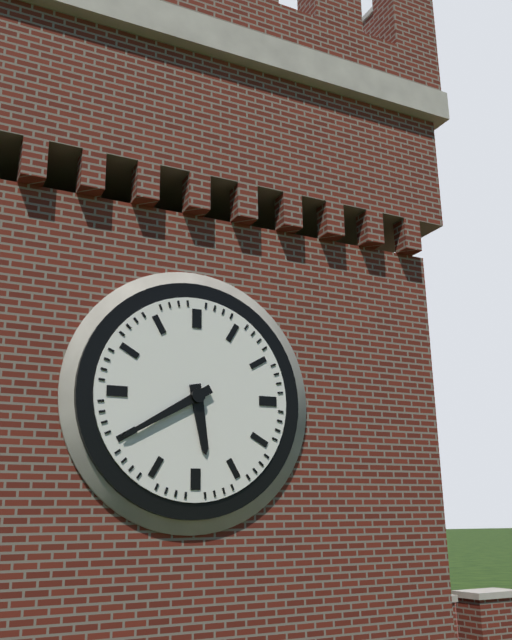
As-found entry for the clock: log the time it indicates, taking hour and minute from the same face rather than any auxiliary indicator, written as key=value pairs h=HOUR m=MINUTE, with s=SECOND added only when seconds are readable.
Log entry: h=5 m=40
